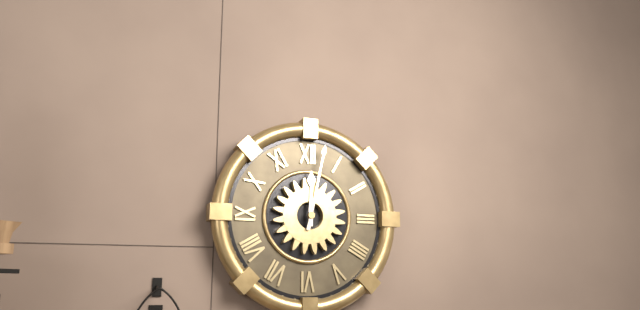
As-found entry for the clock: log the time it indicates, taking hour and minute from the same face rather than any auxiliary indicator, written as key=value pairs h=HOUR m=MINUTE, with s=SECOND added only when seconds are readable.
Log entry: h=12 m=2
